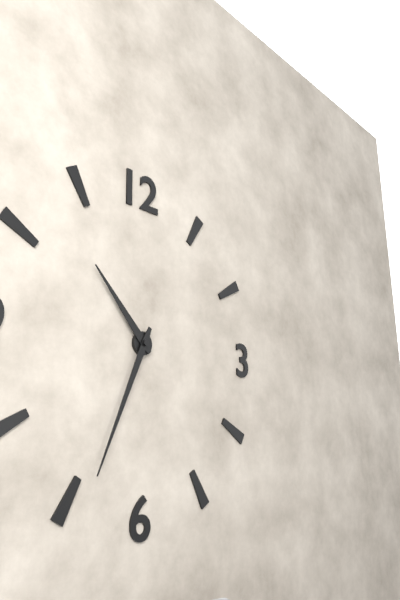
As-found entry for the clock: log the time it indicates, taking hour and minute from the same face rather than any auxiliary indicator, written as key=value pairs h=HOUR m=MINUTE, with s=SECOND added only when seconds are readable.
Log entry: h=10 m=34
